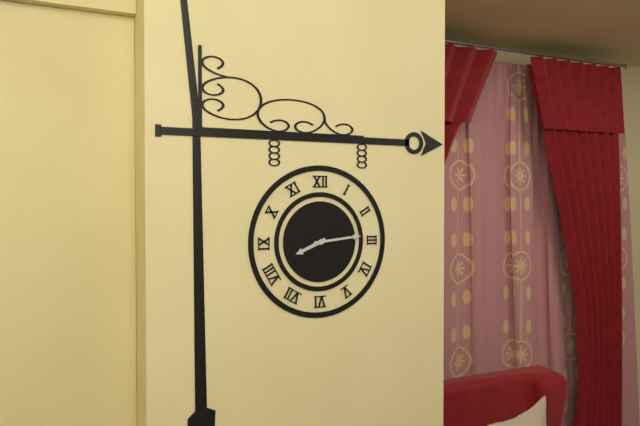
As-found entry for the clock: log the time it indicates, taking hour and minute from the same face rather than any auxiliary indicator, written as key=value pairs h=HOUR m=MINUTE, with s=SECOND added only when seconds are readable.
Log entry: h=8 m=14
